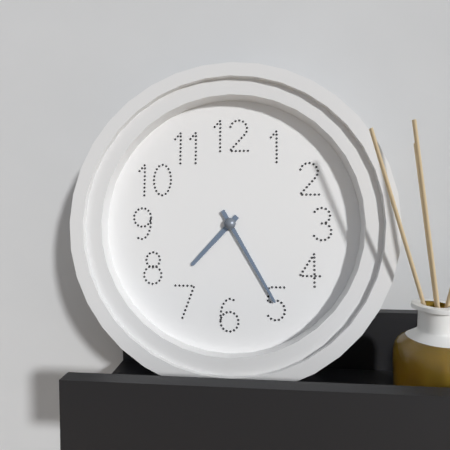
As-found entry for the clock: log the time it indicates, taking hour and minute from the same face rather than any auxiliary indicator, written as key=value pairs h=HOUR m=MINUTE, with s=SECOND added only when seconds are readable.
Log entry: h=7 m=25
